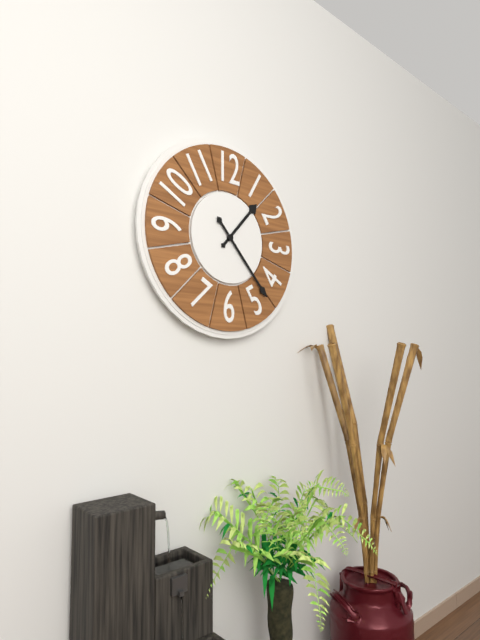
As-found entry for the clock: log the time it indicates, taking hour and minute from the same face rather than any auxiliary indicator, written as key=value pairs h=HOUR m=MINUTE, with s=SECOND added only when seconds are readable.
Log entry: h=1 m=23
